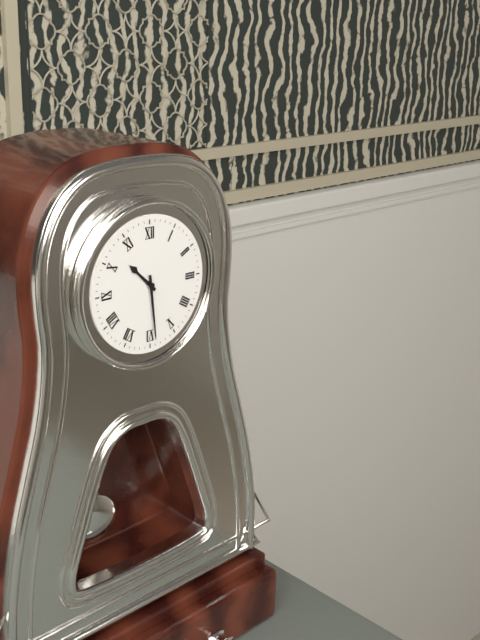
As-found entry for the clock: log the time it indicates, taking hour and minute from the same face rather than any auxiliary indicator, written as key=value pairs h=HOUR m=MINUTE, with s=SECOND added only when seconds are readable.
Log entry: h=10 m=29
